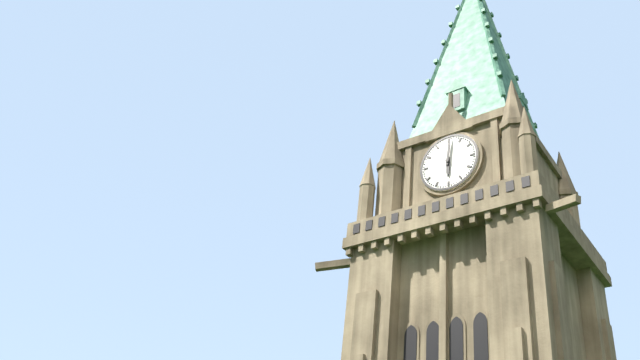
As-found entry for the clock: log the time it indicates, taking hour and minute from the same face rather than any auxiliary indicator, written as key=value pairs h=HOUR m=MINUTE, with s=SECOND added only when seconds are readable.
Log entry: h=6 m=1
